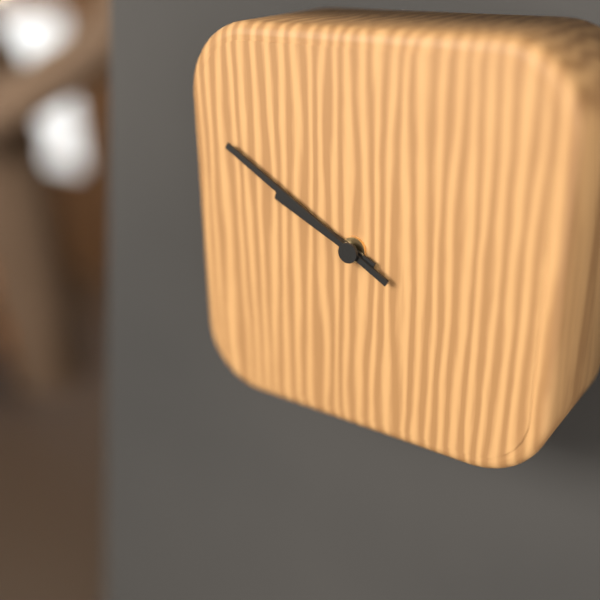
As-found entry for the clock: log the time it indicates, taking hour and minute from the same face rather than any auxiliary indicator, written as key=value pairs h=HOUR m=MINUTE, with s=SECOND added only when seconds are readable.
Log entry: h=9 m=50
